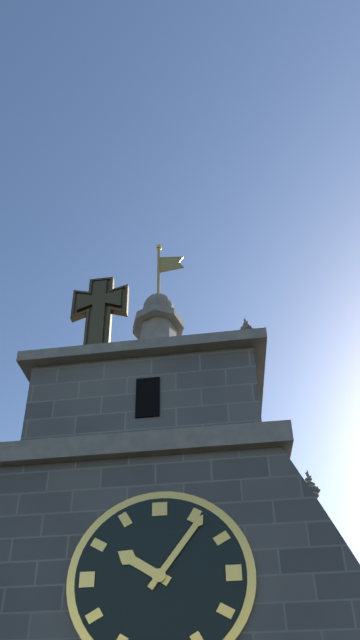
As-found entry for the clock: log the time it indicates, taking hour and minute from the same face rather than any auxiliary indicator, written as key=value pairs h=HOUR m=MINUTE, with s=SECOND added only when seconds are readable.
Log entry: h=10 m=6
